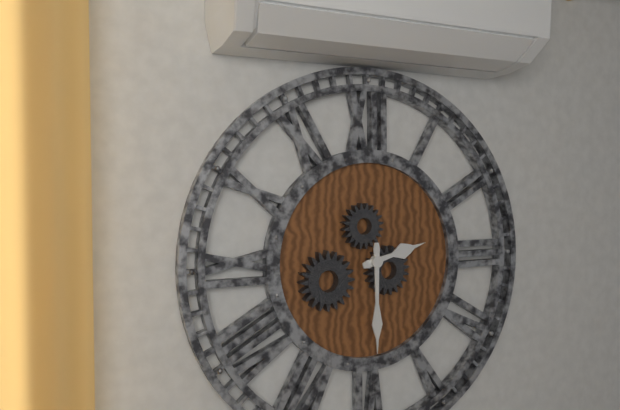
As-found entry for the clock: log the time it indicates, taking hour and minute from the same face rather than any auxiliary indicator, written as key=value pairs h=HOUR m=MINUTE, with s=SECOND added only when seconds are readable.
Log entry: h=2 m=30
